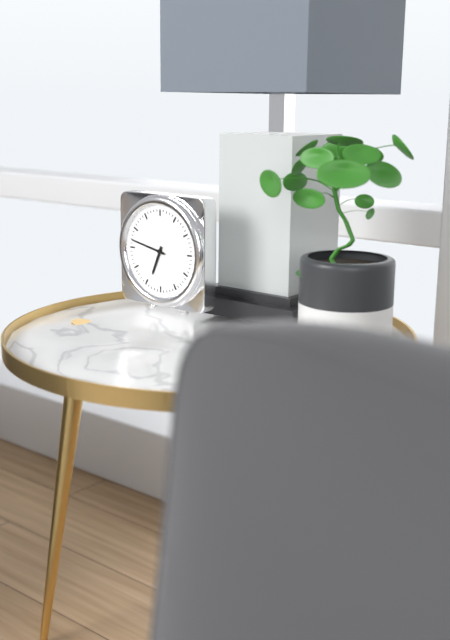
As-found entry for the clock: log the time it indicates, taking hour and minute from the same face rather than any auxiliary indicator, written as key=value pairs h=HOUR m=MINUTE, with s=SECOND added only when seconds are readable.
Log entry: h=6 m=47
